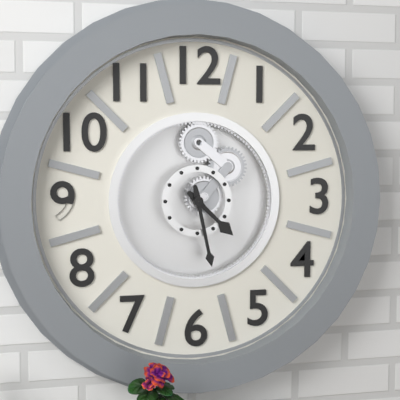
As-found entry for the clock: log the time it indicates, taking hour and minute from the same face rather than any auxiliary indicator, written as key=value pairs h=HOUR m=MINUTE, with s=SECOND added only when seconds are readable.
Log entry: h=4 m=28
